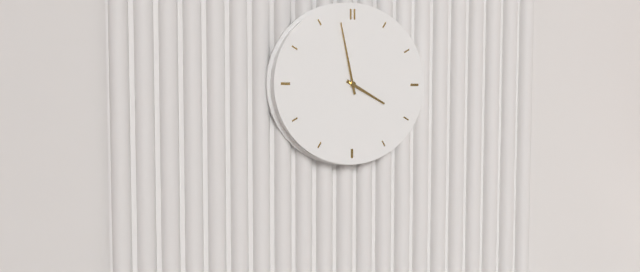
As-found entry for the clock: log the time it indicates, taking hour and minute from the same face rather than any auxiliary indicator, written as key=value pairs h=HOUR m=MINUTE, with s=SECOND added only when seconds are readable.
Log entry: h=3 m=58
